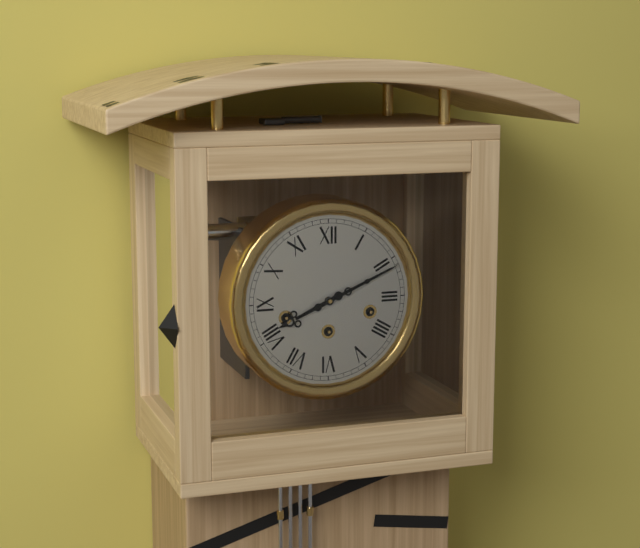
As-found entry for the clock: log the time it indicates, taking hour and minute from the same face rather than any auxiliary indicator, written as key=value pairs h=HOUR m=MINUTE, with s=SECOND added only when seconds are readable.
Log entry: h=8 m=11
